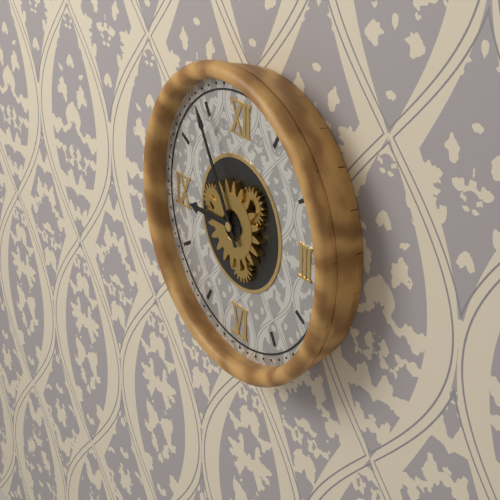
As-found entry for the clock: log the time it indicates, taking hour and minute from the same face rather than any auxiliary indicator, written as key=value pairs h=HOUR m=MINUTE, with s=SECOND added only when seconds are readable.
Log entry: h=8 m=55
